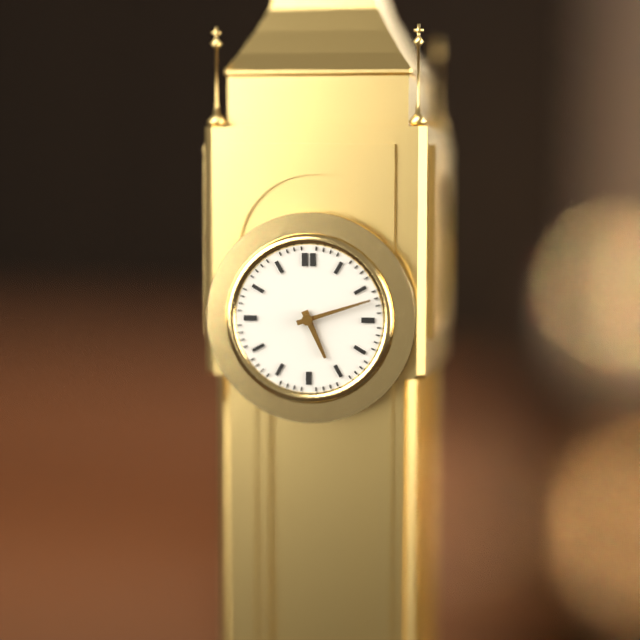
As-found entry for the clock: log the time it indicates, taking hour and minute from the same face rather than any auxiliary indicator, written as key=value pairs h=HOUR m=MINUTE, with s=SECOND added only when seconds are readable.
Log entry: h=5 m=12
